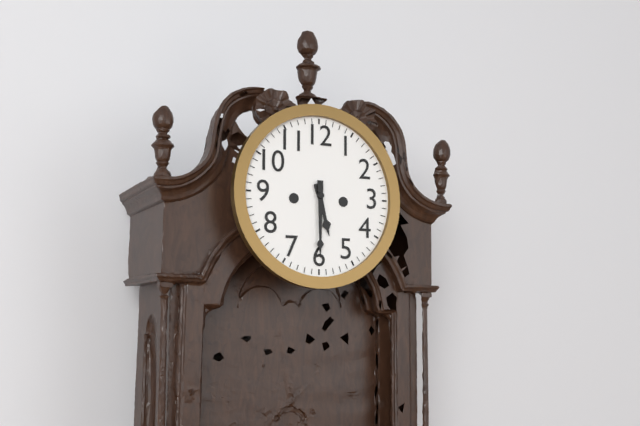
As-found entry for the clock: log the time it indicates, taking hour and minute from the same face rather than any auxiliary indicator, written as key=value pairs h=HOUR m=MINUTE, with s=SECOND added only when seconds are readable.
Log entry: h=5 m=30
